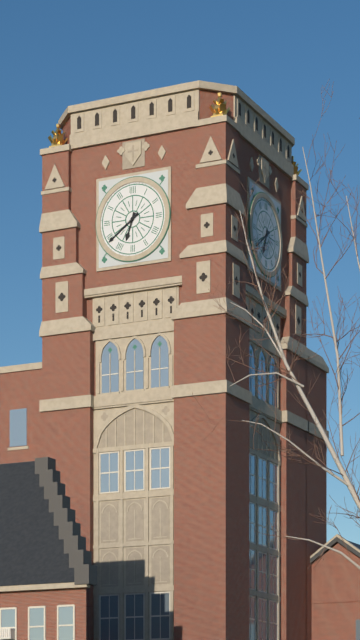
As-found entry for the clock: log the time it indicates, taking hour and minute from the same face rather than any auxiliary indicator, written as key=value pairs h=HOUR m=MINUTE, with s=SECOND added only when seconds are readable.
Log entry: h=6 m=39
